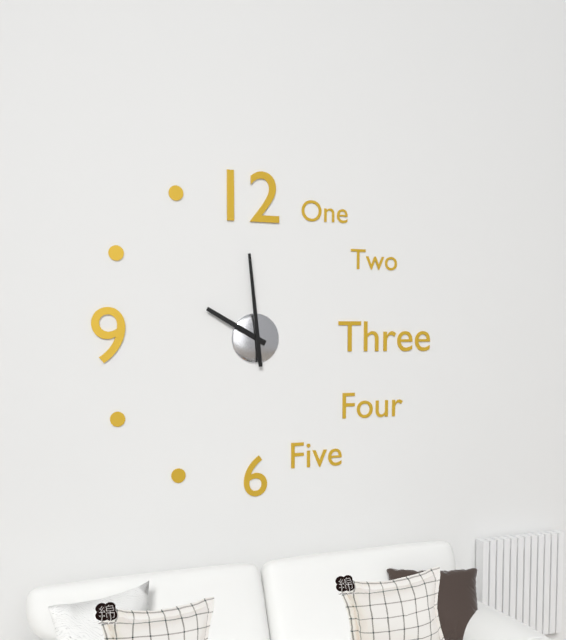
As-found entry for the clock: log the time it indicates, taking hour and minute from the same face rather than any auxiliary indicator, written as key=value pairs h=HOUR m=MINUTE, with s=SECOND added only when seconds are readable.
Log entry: h=9 m=59
